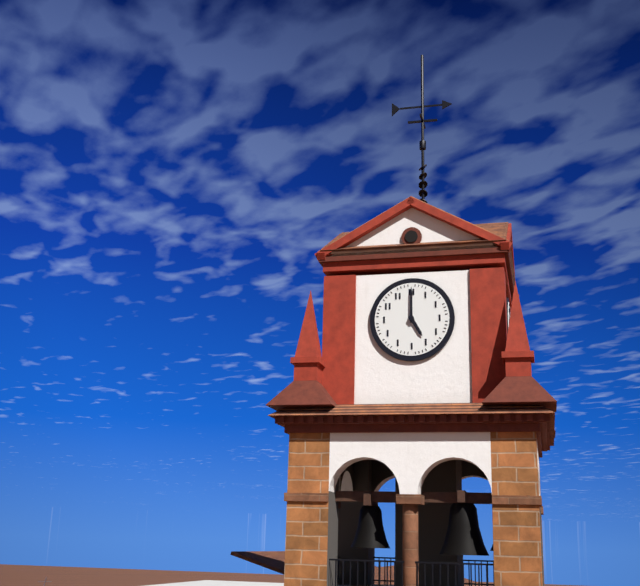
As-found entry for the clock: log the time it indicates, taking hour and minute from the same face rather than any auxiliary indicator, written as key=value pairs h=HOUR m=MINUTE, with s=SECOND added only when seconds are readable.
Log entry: h=5 m=0
